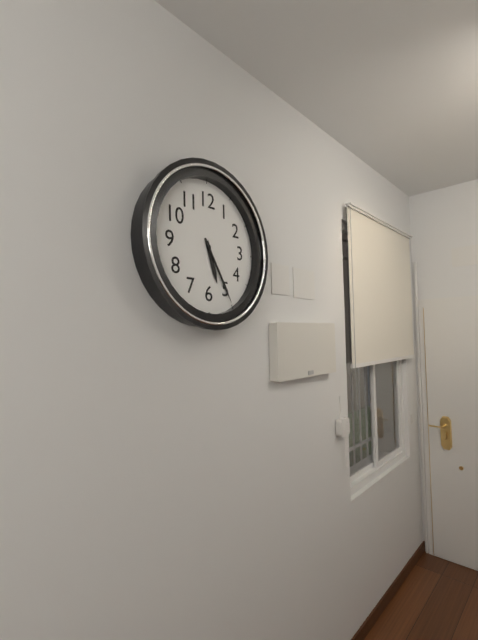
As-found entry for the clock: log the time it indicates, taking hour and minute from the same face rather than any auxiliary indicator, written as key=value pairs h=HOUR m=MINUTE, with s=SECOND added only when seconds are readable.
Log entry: h=5 m=25
